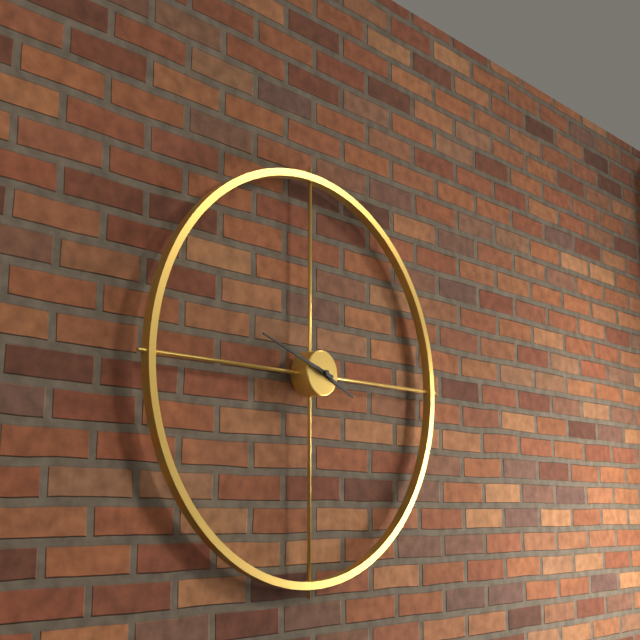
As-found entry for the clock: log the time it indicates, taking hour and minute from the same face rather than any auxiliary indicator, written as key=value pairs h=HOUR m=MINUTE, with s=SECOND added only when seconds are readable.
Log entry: h=3 m=48
